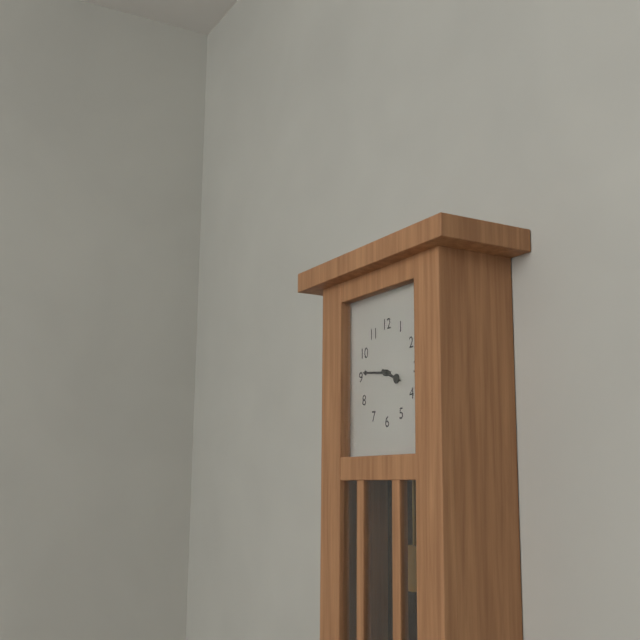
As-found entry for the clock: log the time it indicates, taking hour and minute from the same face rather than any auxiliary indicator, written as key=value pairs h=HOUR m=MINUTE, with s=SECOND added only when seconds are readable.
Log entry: h=3 m=46
